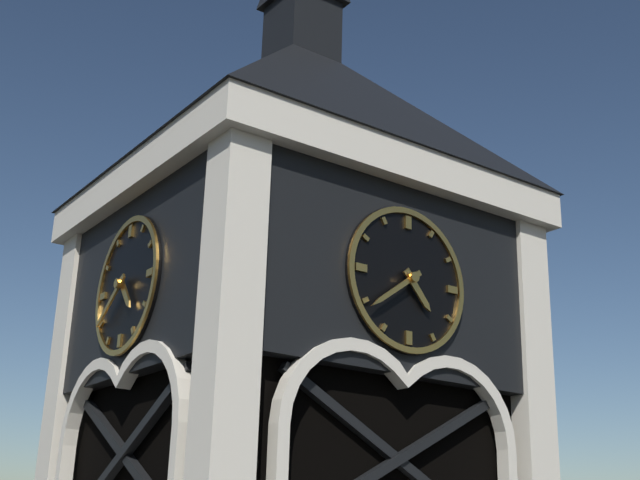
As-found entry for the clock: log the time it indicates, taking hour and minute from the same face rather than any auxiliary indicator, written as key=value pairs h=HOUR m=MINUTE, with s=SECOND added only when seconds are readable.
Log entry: h=4 m=39
